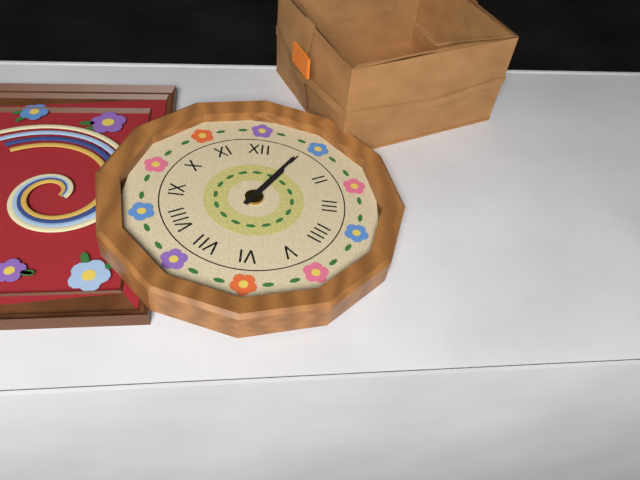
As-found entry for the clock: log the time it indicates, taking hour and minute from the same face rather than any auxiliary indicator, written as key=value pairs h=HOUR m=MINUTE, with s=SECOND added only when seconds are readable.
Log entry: h=1 m=5
